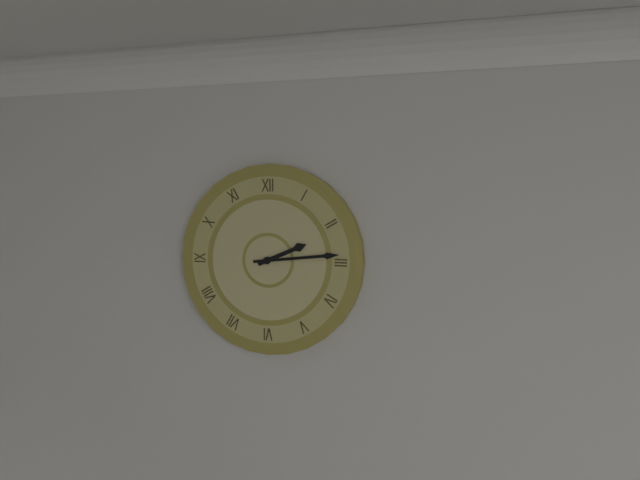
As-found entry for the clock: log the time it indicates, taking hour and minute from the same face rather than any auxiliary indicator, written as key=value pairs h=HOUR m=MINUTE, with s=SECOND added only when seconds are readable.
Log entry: h=2 m=14
